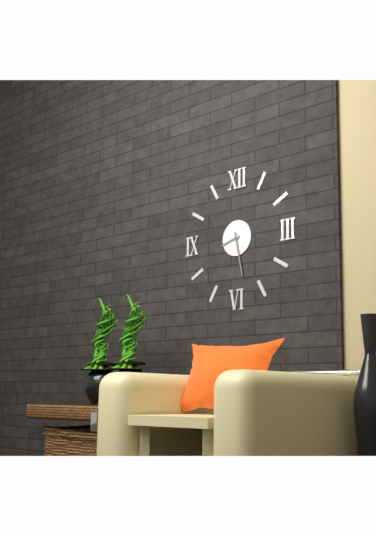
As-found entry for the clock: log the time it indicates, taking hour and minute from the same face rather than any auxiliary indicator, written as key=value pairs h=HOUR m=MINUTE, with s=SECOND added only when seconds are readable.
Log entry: h=8 m=28
